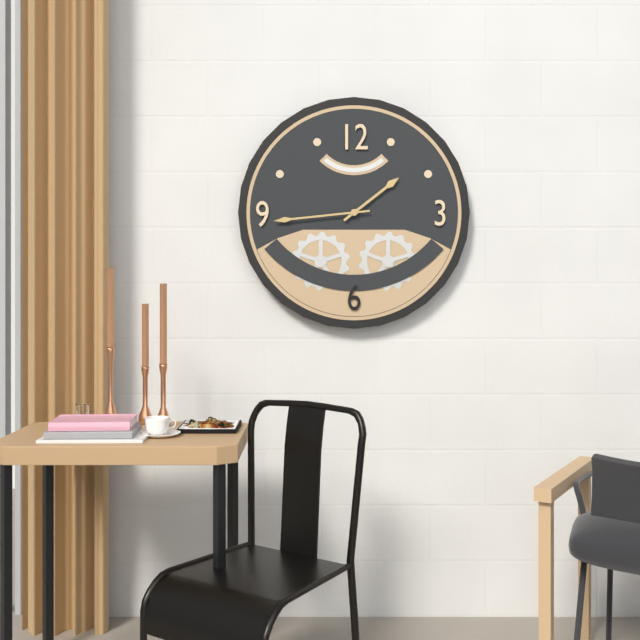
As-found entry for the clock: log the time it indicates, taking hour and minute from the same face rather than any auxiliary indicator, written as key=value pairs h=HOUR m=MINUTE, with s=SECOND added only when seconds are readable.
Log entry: h=1 m=44
